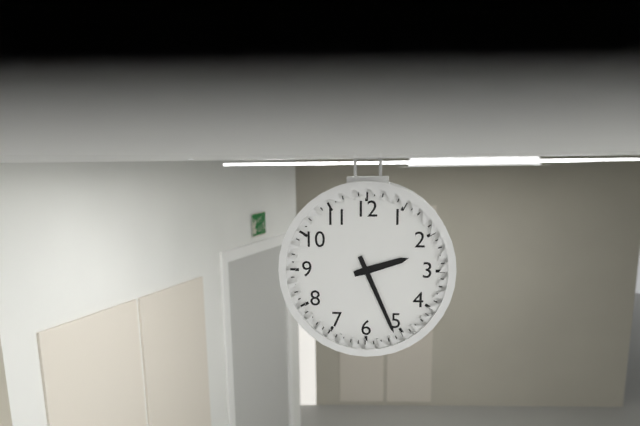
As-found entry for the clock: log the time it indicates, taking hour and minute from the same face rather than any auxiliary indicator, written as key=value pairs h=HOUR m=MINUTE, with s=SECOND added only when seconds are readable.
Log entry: h=2 m=26
